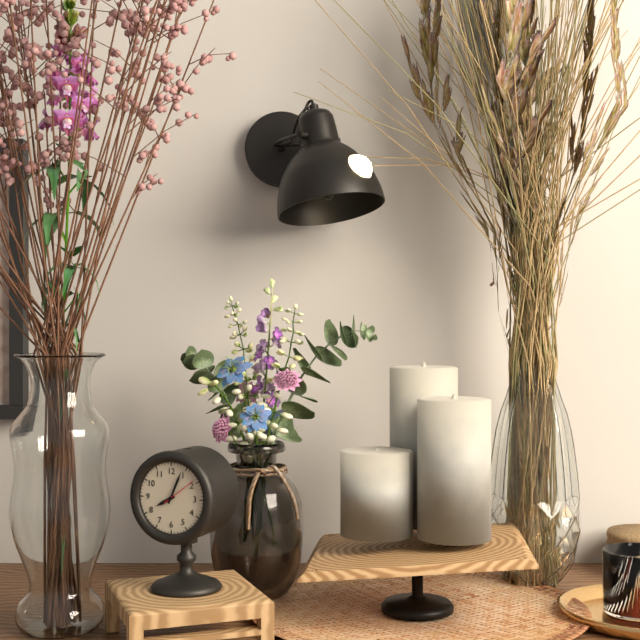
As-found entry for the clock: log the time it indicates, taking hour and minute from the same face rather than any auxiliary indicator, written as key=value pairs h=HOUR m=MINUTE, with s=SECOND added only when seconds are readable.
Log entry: h=8 m=4
